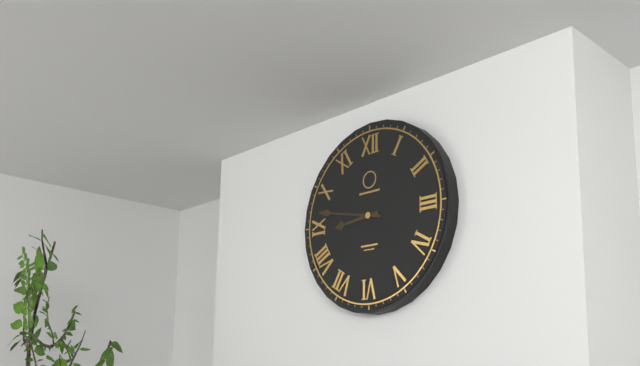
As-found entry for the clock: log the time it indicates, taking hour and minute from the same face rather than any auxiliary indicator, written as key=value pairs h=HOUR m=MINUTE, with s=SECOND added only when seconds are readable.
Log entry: h=8 m=47
